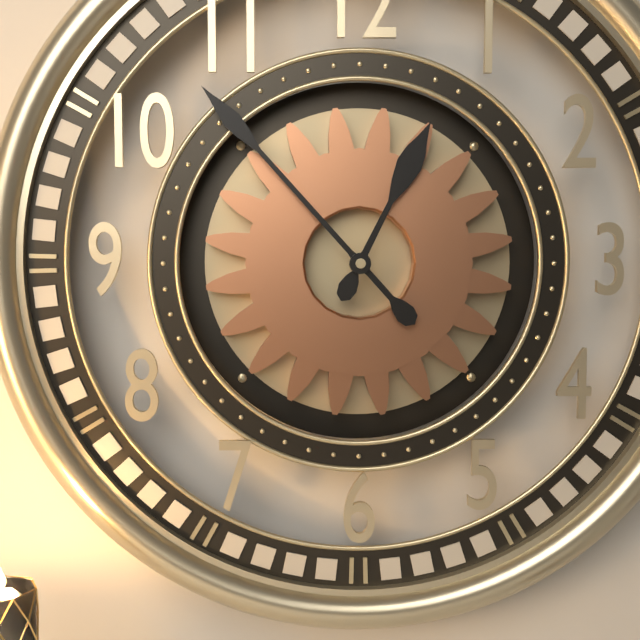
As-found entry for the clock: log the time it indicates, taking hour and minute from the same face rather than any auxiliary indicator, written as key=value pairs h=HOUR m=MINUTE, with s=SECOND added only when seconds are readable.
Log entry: h=12 m=53
